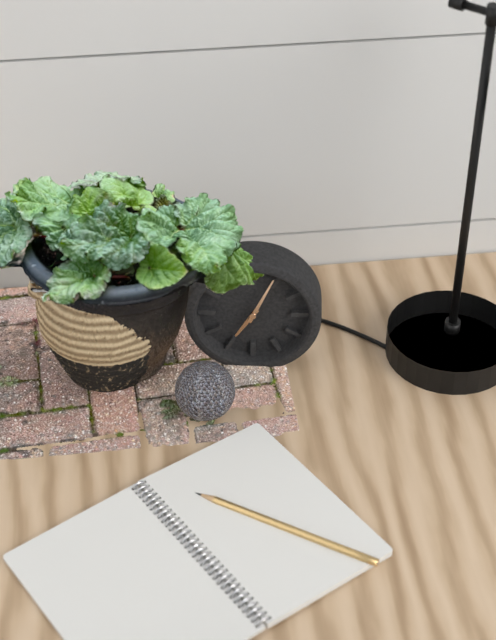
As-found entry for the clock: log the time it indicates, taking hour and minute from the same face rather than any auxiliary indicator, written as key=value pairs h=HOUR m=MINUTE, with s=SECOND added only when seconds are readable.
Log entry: h=7 m=4
